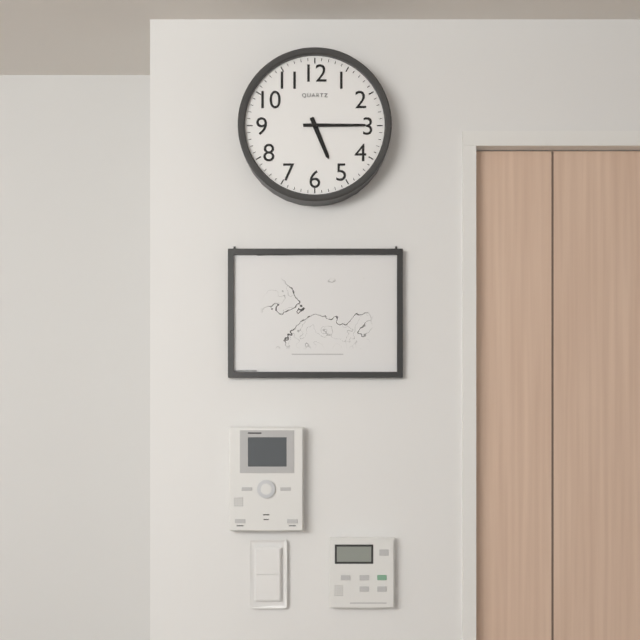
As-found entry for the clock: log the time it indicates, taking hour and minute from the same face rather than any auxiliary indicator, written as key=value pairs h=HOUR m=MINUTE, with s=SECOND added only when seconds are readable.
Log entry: h=5 m=15
